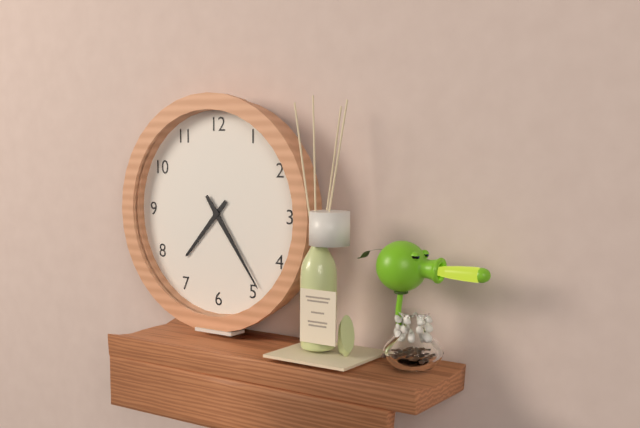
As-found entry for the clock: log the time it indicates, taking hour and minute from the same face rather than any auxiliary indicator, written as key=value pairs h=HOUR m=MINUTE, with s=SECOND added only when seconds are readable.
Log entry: h=7 m=24
